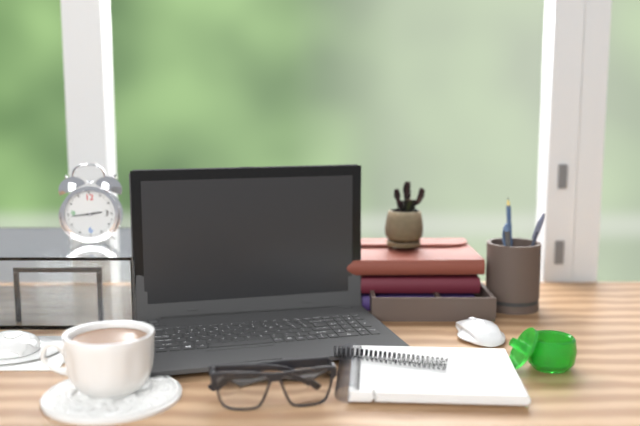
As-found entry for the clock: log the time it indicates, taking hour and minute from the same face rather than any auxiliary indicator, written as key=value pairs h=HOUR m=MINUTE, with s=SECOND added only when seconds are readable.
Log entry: h=2 m=44
